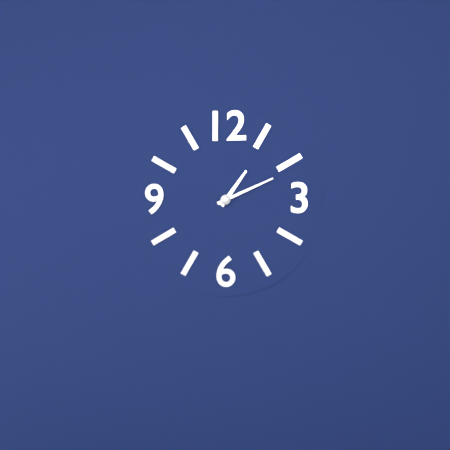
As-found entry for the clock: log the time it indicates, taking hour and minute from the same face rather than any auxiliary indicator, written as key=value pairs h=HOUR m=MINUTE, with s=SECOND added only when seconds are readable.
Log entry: h=1 m=11
